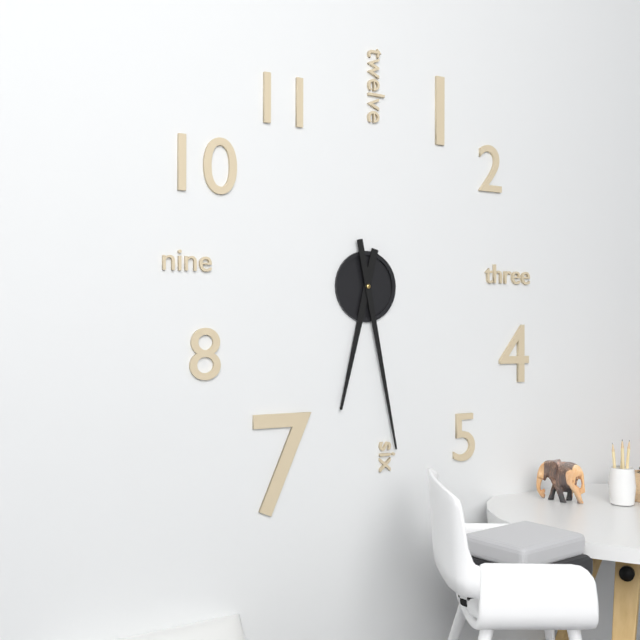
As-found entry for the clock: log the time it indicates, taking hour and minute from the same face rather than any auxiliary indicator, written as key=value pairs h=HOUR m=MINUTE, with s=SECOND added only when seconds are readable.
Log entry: h=6 m=28
